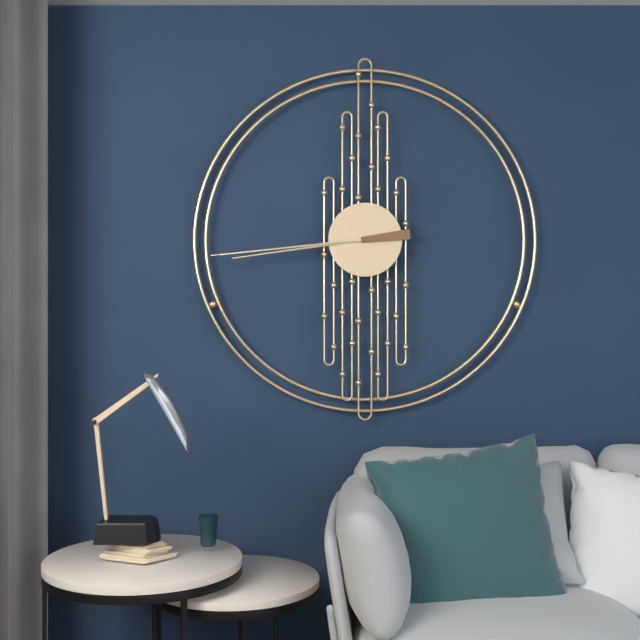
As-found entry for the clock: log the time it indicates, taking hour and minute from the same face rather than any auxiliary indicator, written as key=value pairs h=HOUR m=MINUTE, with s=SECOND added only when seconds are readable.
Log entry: h=8 m=44
